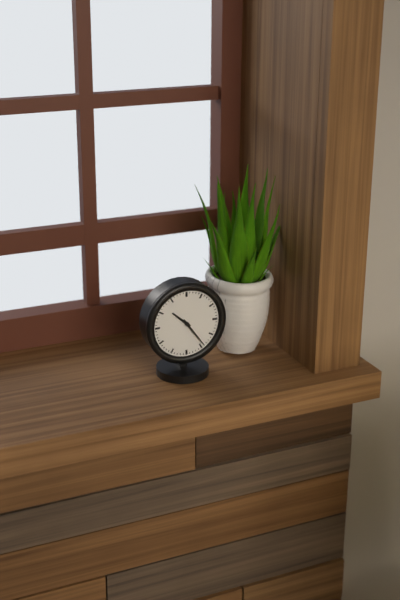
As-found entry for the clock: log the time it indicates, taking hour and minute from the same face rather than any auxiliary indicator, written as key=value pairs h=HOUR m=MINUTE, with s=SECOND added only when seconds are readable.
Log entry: h=10 m=24
